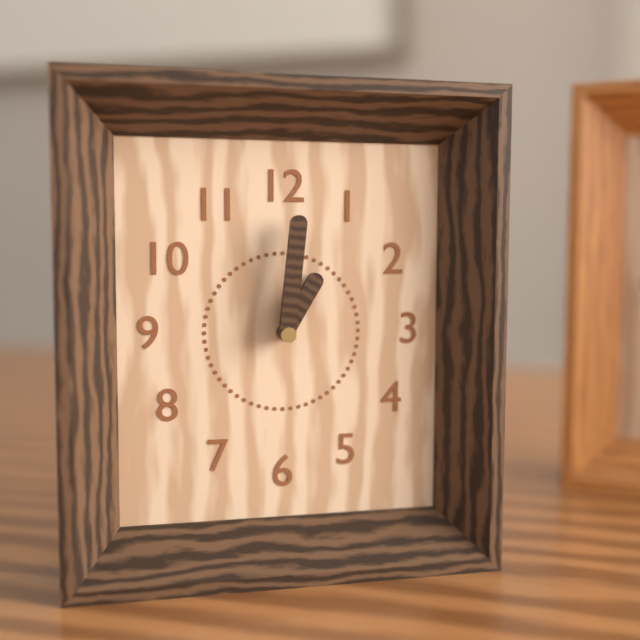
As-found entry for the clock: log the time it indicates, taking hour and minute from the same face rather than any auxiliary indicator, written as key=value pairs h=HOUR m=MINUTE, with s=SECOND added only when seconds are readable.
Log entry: h=1 m=1
